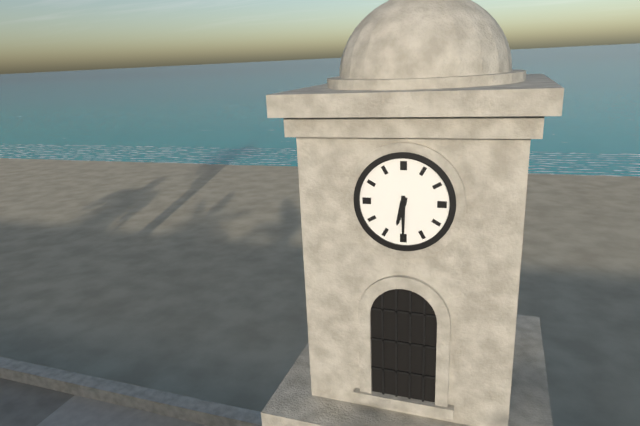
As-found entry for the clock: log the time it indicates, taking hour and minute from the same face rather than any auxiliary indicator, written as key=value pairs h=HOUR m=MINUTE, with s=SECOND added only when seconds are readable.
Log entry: h=6 m=30
